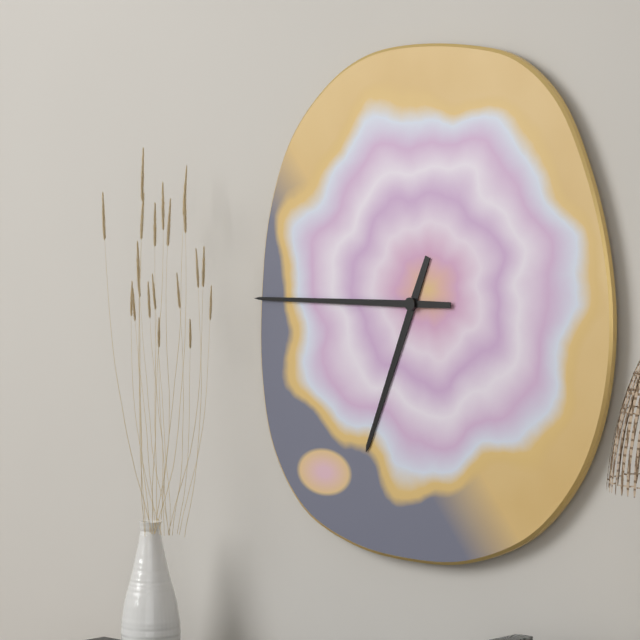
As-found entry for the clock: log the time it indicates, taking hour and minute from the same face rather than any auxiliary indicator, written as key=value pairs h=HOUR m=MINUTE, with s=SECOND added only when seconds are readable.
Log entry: h=6 m=45
